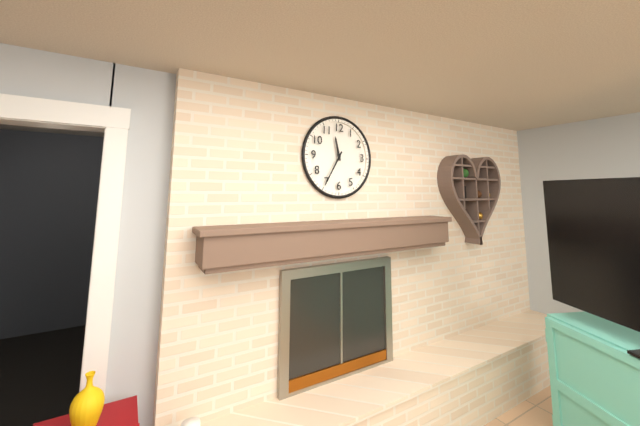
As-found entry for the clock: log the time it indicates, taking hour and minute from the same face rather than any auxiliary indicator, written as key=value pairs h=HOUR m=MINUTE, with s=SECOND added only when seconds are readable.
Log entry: h=11 m=35
